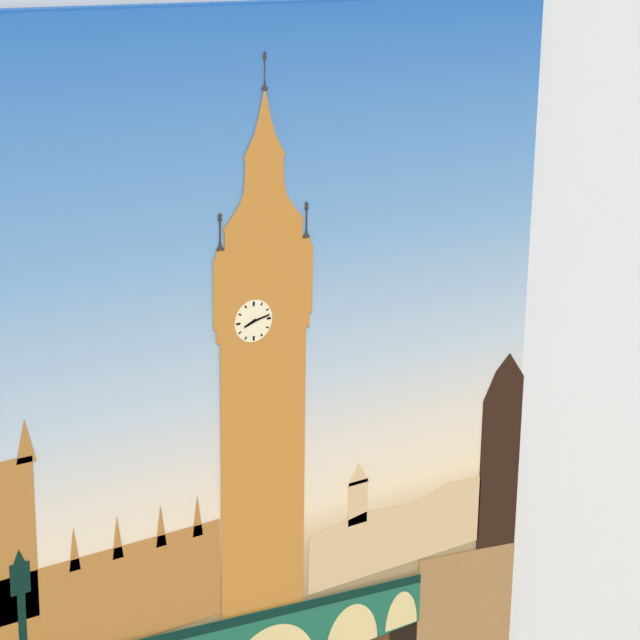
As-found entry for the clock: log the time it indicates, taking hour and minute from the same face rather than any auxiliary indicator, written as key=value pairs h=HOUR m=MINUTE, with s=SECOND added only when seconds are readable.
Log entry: h=8 m=13
